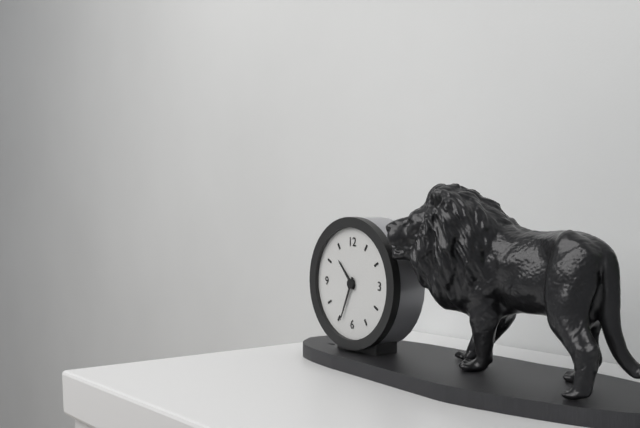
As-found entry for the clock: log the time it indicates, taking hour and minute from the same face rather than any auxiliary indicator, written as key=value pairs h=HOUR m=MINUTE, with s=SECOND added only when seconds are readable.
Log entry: h=10 m=34
